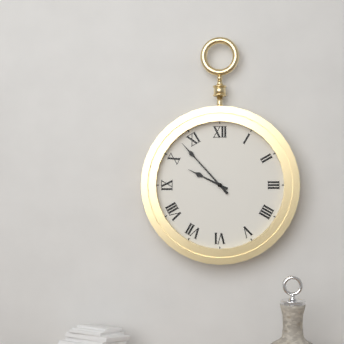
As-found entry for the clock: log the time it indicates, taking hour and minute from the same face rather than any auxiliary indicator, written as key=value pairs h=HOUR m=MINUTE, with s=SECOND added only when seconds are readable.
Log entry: h=9 m=53
